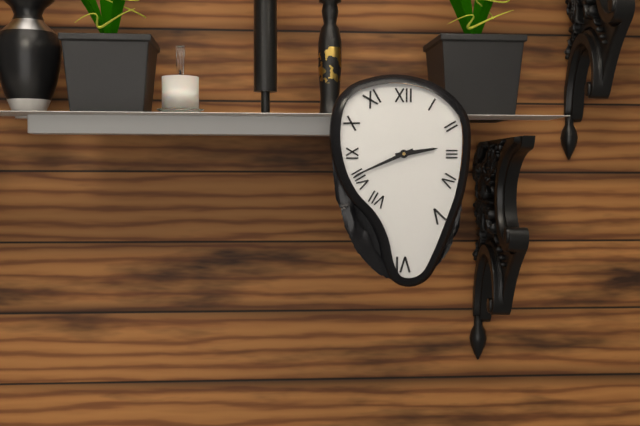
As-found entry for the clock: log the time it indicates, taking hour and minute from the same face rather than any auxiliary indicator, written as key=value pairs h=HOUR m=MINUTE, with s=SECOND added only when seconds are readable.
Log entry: h=2 m=41
